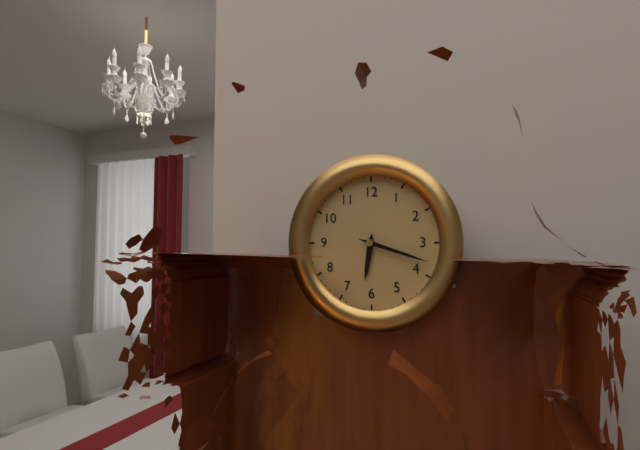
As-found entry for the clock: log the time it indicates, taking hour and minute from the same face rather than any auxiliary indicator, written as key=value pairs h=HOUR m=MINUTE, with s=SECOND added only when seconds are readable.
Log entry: h=6 m=18
